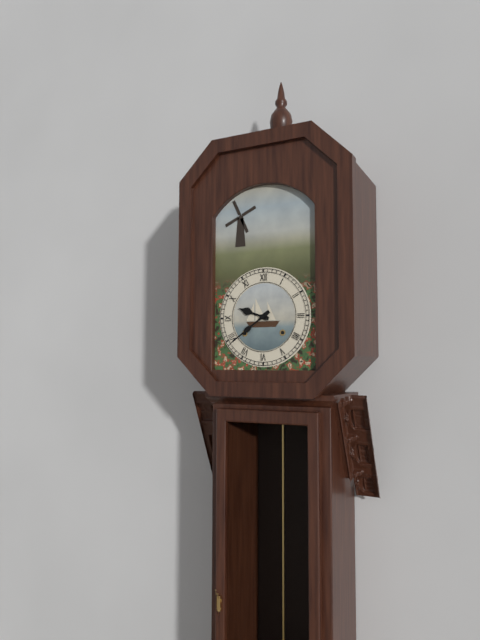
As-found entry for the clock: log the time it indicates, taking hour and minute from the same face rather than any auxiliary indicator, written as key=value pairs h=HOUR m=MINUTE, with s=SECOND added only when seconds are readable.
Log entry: h=9 m=39
